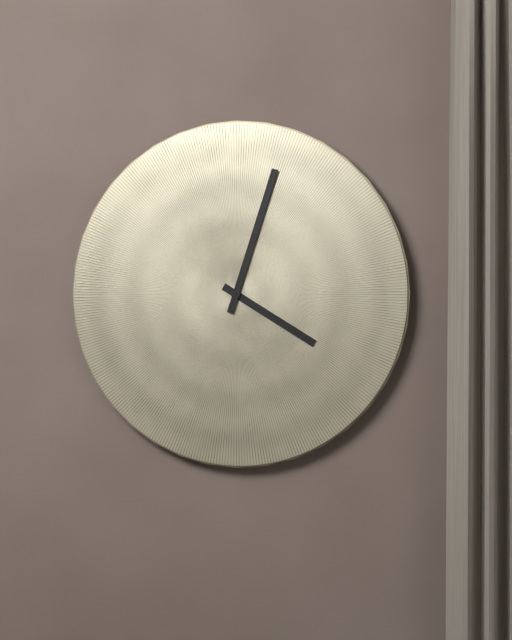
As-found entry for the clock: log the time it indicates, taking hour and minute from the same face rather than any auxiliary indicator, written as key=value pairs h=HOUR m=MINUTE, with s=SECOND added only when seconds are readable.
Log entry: h=4 m=3
